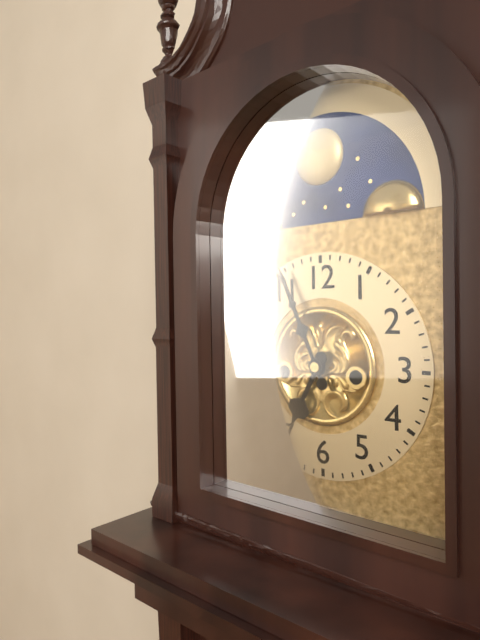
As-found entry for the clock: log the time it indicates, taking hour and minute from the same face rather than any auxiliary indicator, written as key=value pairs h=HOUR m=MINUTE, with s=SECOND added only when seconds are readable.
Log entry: h=6 m=56
